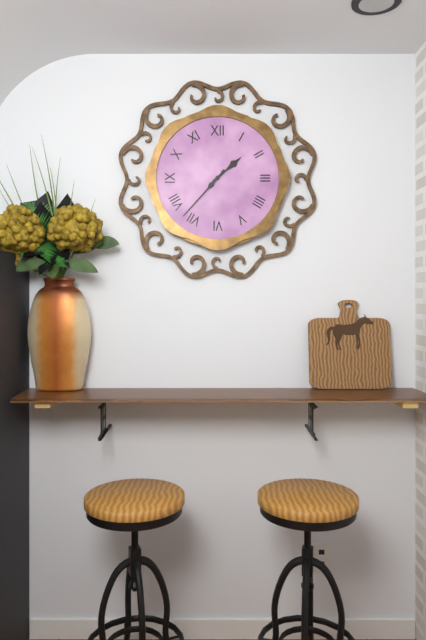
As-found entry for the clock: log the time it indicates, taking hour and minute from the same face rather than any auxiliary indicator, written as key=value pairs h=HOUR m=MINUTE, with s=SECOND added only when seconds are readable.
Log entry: h=1 m=37
